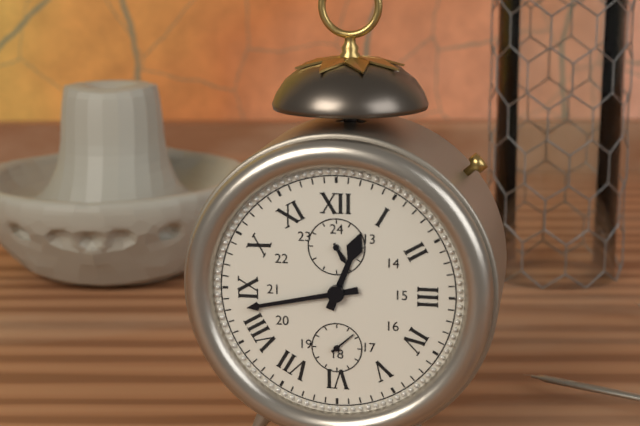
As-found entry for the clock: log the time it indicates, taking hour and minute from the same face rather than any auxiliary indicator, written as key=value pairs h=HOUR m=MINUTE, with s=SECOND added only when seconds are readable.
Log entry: h=12 m=43
